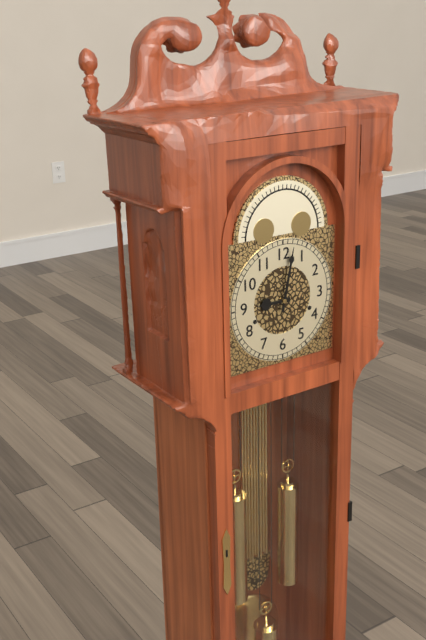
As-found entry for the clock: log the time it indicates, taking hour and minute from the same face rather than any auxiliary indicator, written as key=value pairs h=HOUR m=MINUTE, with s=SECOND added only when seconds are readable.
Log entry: h=9 m=2
